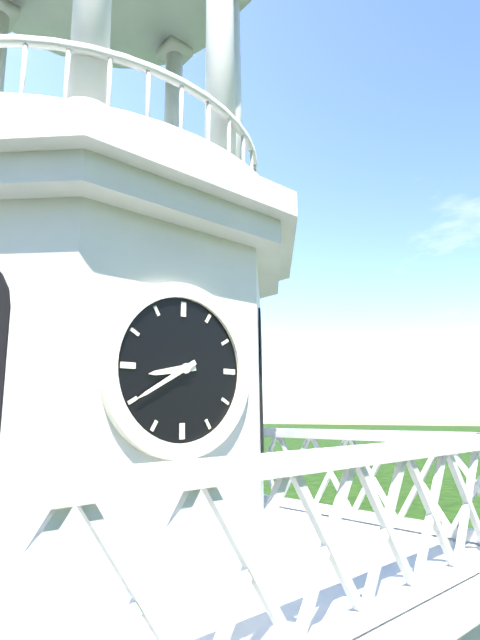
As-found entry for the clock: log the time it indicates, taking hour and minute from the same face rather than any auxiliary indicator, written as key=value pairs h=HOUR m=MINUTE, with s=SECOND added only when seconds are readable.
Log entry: h=8 m=40
